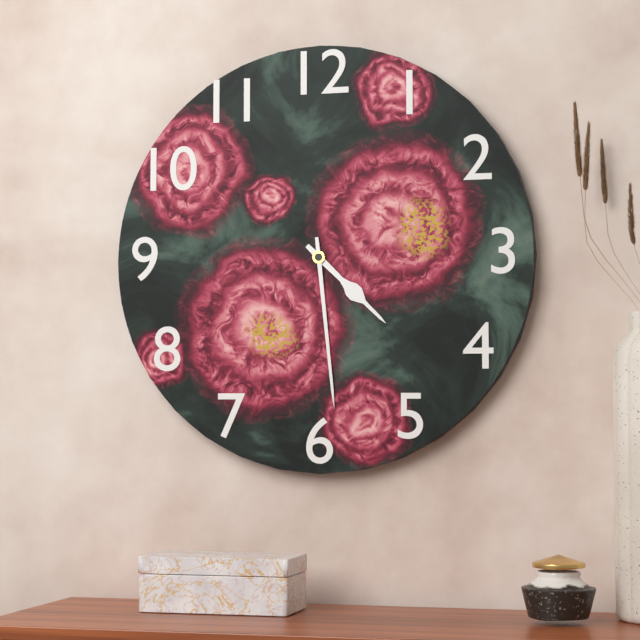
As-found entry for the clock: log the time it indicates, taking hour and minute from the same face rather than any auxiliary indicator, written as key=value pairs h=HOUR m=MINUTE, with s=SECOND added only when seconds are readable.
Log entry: h=4 m=29
